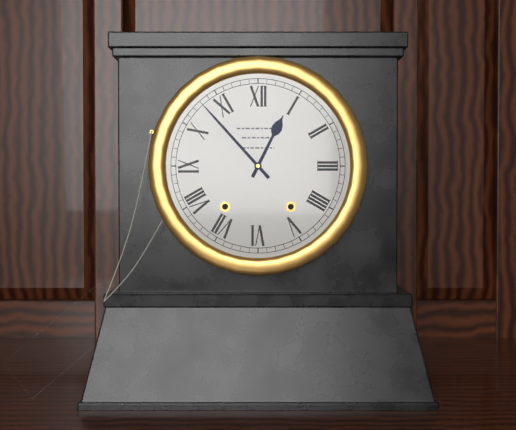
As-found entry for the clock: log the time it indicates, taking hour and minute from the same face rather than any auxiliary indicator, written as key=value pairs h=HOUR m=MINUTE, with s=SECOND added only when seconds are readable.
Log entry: h=12 m=53
